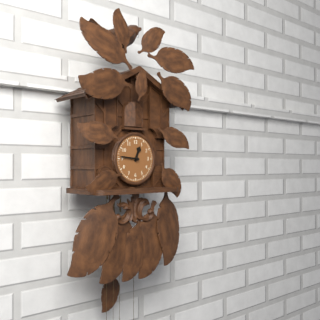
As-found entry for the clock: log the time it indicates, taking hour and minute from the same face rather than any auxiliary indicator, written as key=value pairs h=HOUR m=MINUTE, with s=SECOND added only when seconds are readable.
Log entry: h=12 m=46
